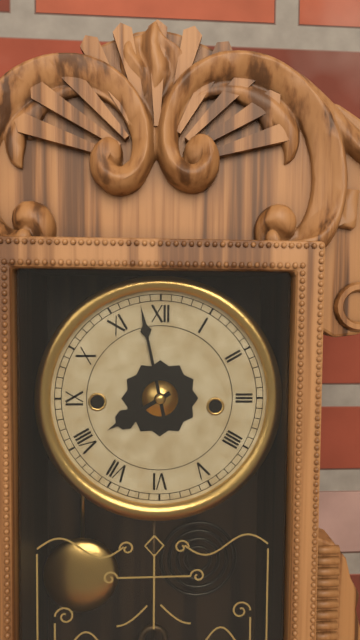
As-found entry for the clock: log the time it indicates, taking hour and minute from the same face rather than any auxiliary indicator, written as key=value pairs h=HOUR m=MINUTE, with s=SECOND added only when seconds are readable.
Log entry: h=7 m=58
